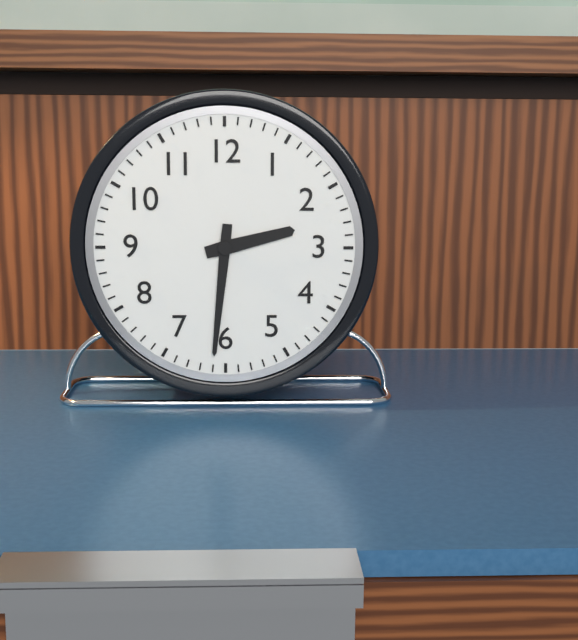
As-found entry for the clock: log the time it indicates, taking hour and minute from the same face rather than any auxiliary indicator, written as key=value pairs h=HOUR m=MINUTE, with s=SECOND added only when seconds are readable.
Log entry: h=2 m=31
